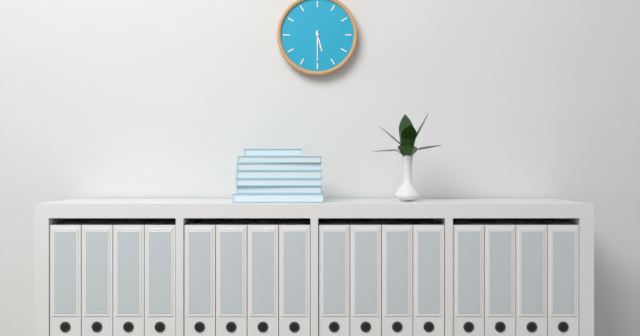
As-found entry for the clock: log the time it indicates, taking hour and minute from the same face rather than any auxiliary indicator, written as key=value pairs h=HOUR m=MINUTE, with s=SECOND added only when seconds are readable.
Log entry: h=5 m=30
